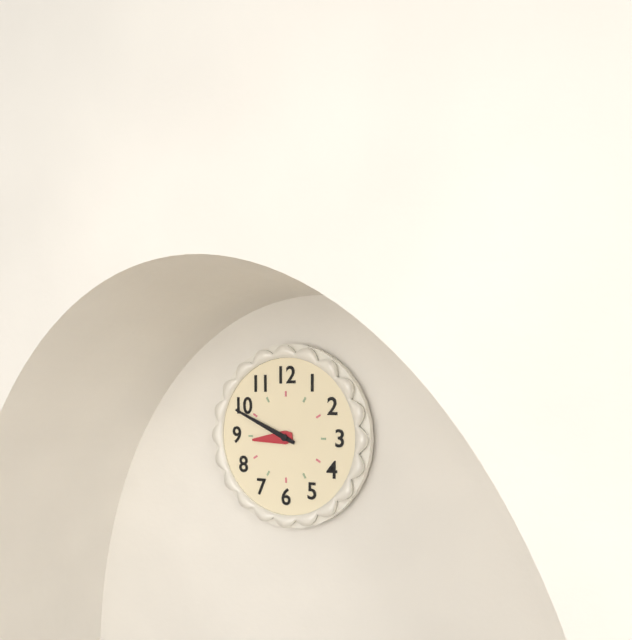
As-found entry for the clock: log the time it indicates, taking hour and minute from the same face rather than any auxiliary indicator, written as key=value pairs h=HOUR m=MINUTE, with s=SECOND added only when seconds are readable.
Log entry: h=8 m=49
